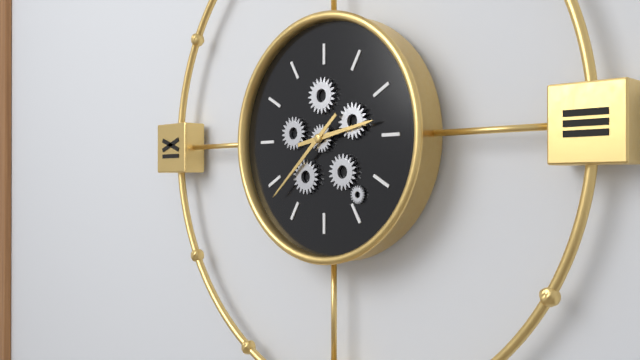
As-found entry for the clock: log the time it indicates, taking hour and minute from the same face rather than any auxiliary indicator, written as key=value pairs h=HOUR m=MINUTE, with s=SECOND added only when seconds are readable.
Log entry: h=2 m=38
